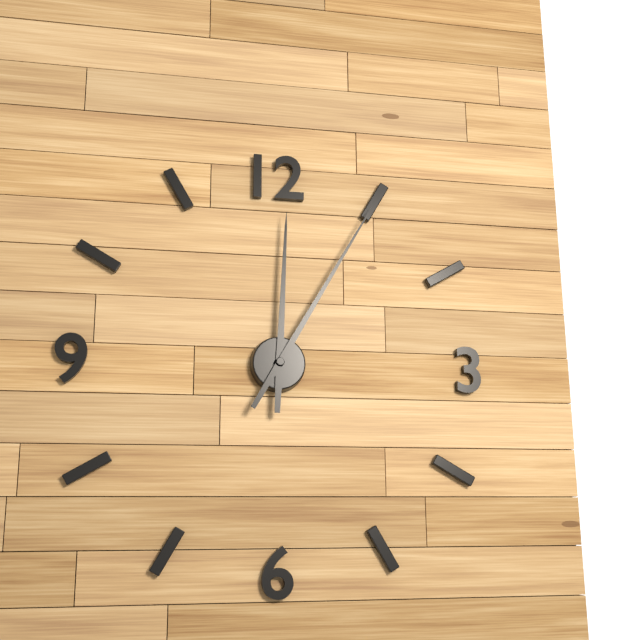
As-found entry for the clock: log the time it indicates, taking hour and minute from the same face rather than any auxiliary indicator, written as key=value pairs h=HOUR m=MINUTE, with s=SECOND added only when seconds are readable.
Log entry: h=12 m=5
